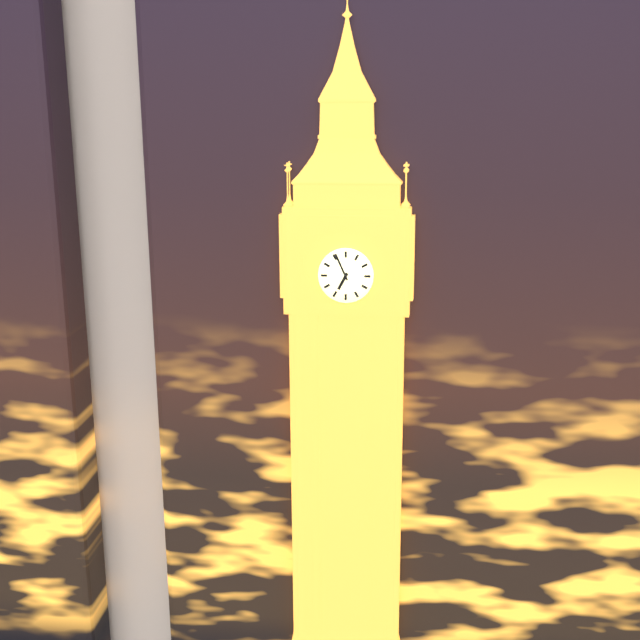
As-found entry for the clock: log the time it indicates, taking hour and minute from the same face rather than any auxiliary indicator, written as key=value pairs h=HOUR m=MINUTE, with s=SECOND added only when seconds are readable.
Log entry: h=6 m=56
